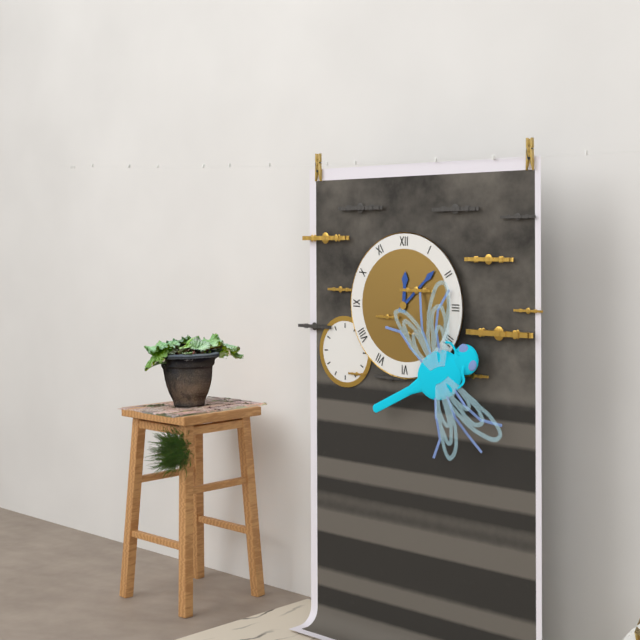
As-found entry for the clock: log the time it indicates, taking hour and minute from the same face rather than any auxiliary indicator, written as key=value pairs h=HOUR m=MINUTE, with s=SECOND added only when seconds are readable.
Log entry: h=12 m=8
